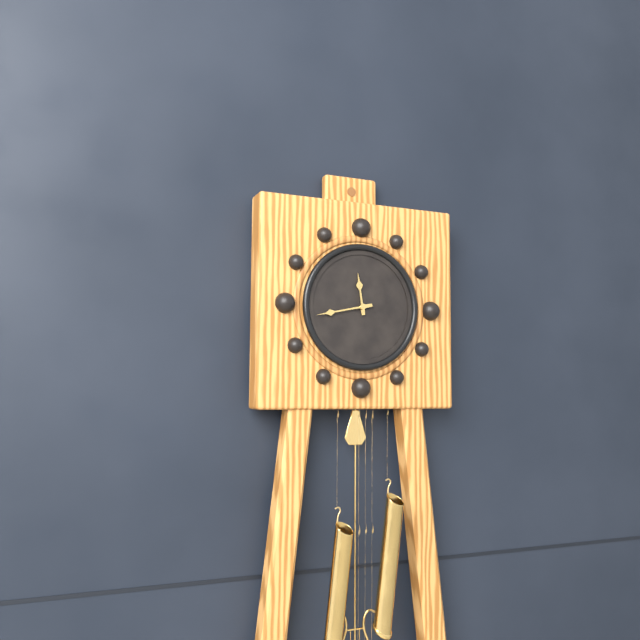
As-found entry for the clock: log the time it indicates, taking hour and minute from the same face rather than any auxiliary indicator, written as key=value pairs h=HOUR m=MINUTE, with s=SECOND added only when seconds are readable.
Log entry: h=11 m=43
